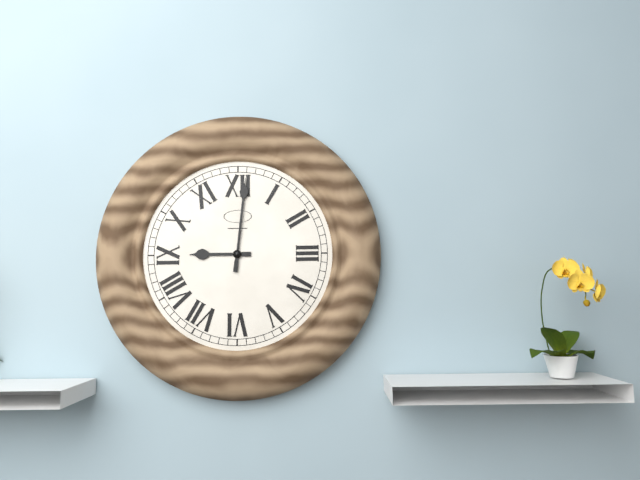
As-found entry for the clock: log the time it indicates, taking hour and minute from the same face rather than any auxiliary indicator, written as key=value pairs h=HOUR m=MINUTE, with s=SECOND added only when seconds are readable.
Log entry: h=9 m=1
